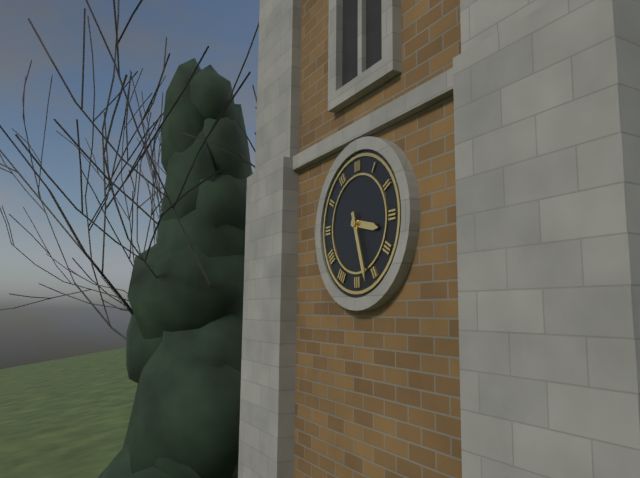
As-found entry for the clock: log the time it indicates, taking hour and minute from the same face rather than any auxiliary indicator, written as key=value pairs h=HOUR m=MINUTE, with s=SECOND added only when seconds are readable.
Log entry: h=3 m=27
